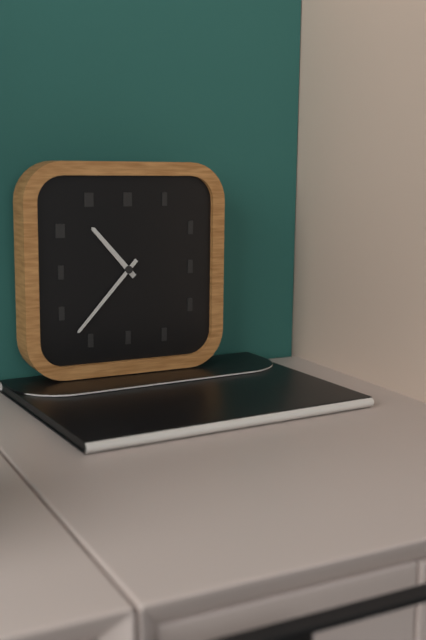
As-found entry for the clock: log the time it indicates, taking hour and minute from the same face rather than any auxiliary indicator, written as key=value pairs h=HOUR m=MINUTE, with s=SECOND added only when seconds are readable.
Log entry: h=10 m=37
